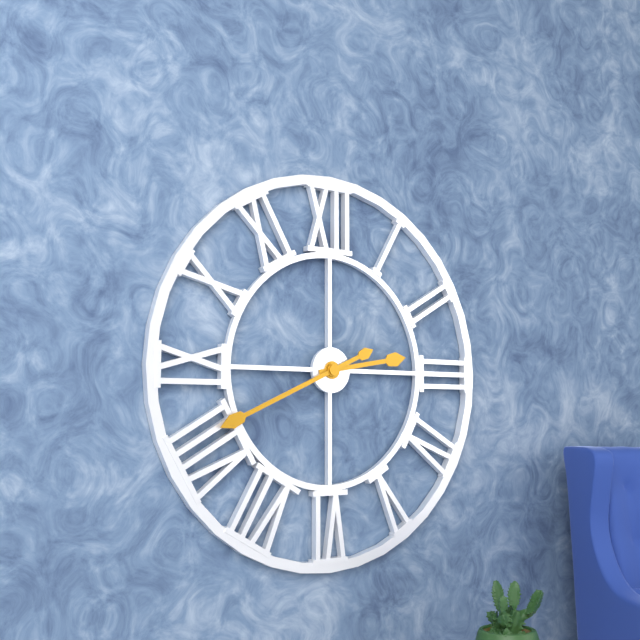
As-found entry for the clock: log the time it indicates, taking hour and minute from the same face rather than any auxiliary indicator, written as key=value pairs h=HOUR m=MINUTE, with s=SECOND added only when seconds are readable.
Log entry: h=2 m=41
